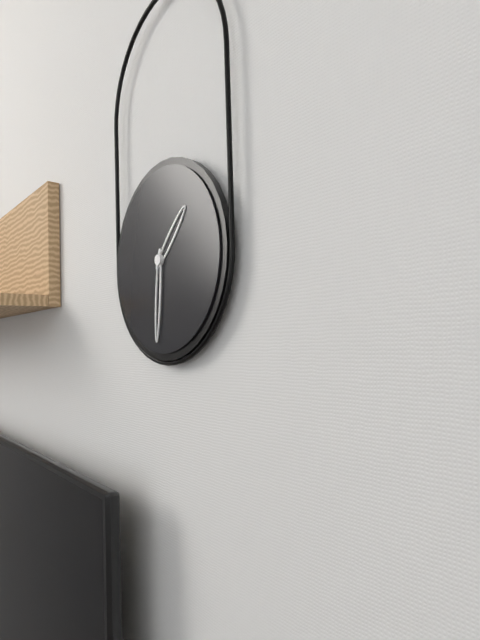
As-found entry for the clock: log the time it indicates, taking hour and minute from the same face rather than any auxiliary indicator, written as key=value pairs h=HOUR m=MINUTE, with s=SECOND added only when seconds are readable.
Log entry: h=1 m=31
